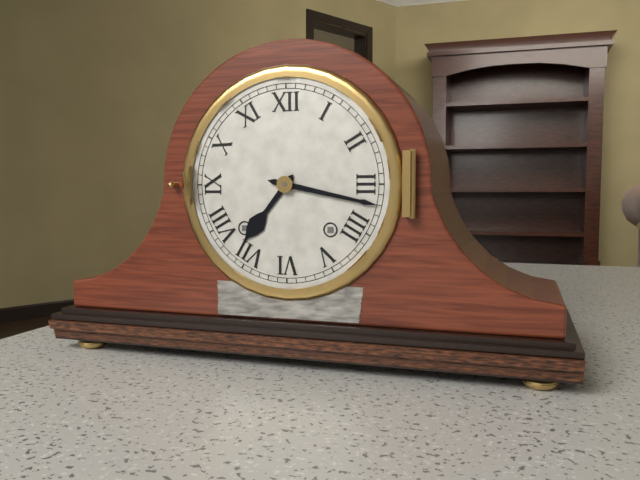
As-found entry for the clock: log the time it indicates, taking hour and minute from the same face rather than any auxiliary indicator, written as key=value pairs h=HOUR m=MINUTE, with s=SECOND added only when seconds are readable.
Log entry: h=7 m=17
